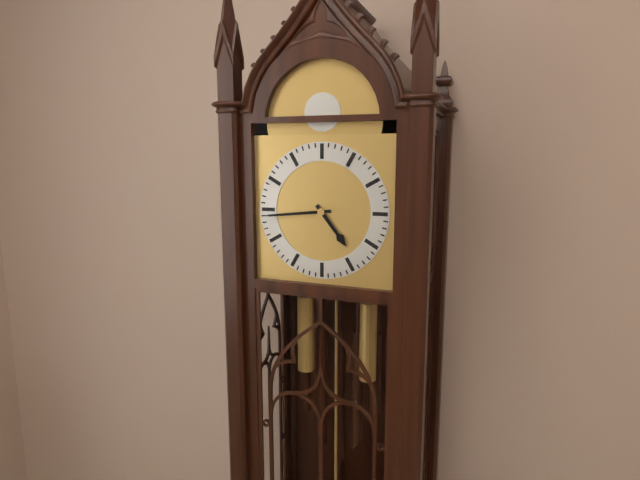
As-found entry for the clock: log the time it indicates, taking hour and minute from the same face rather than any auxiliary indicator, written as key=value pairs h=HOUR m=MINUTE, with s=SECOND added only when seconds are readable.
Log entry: h=4 m=44
